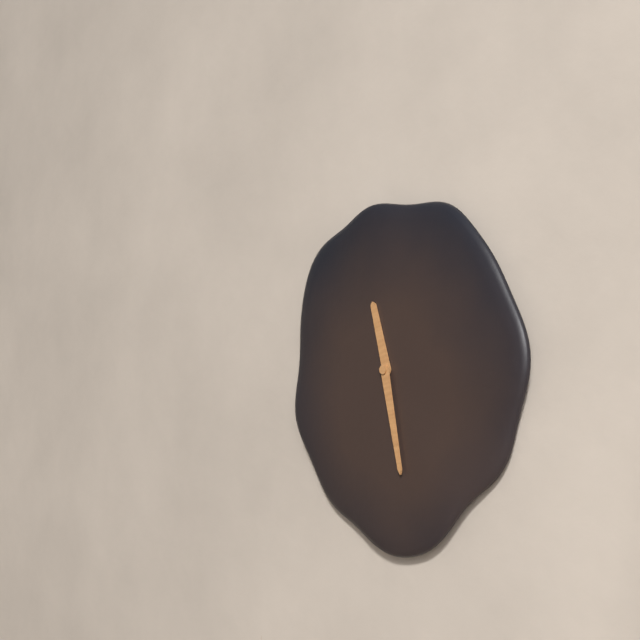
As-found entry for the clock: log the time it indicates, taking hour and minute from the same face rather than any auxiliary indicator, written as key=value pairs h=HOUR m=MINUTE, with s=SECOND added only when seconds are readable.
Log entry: h=11 m=28
